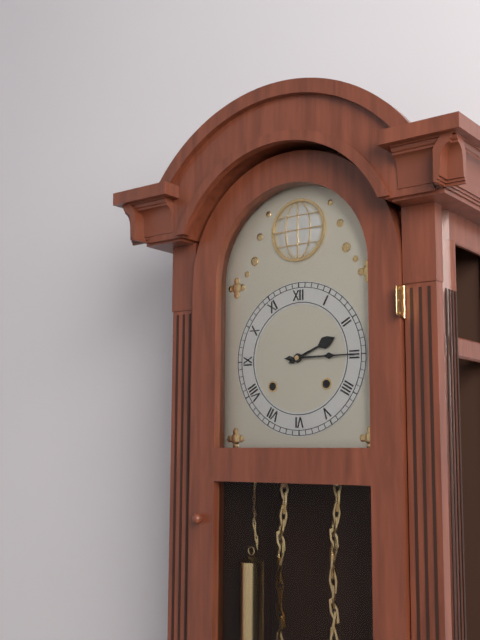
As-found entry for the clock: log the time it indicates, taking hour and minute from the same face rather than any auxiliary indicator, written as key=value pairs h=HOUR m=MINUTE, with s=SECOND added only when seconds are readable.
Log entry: h=2 m=15
